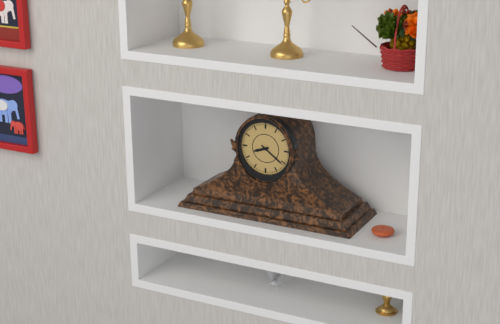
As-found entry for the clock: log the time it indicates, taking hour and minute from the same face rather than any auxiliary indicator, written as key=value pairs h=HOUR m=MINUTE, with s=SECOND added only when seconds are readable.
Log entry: h=8 m=21
